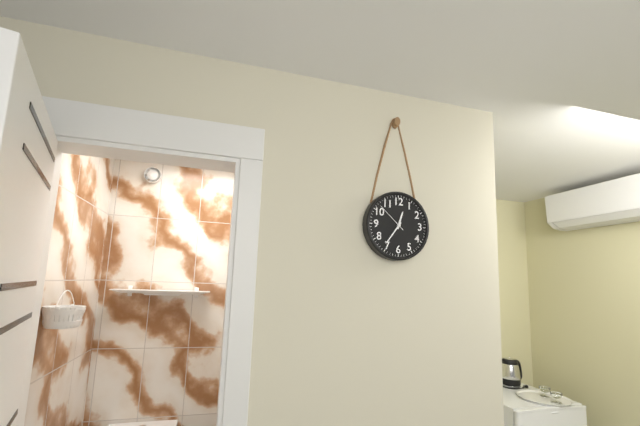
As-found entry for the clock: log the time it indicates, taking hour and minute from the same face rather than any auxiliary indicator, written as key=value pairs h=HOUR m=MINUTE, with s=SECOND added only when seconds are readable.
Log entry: h=12 m=36
